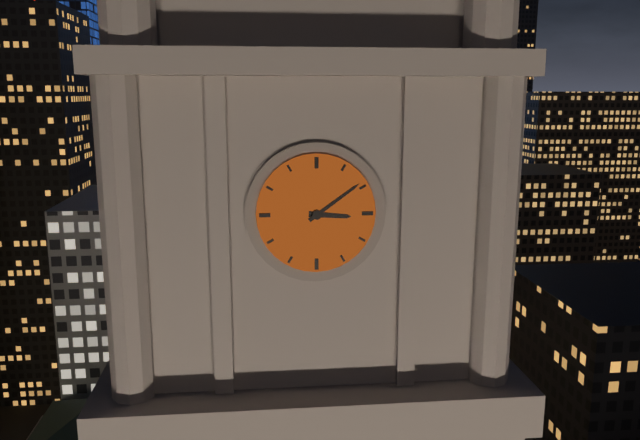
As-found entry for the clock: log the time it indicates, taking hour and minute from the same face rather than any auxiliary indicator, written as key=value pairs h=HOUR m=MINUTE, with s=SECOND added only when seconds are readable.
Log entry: h=3 m=9
